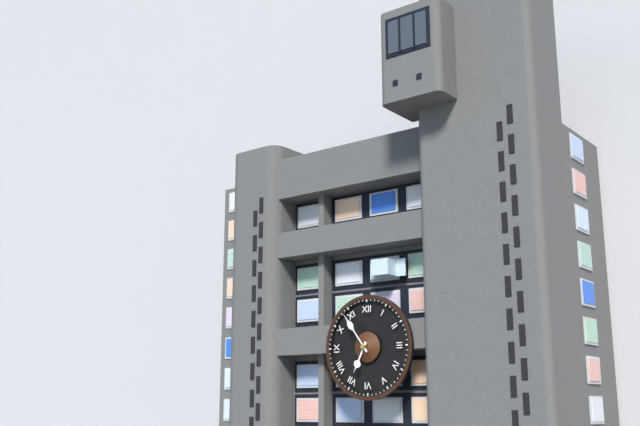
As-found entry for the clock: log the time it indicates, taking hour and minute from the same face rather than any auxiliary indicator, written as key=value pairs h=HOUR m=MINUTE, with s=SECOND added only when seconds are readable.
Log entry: h=6 m=54
